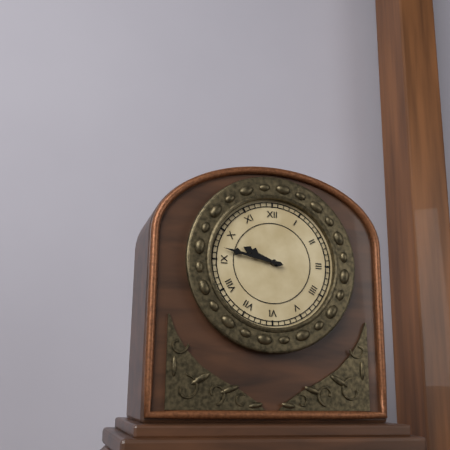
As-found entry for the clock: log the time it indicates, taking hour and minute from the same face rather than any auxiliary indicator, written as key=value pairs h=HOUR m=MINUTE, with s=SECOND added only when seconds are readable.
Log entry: h=9 m=47
